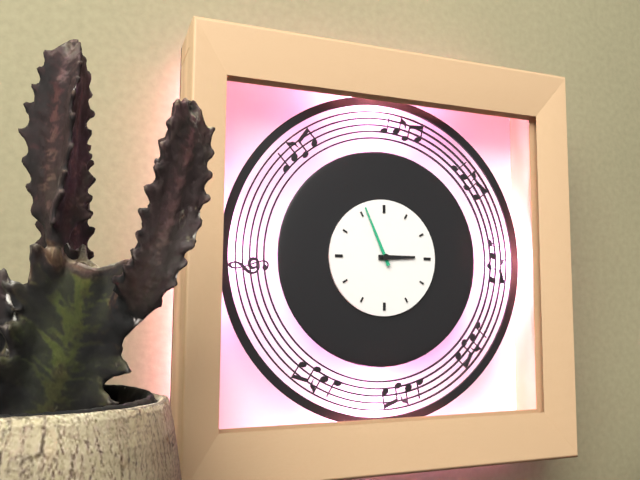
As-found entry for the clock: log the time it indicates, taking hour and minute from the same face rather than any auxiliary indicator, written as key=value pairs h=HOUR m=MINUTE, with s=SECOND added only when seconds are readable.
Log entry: h=2 m=56
